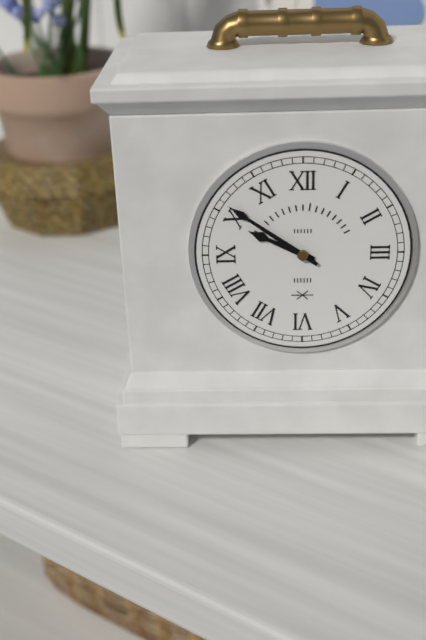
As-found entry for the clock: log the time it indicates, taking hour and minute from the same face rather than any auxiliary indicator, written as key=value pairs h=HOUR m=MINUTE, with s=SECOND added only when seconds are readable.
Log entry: h=9 m=51
